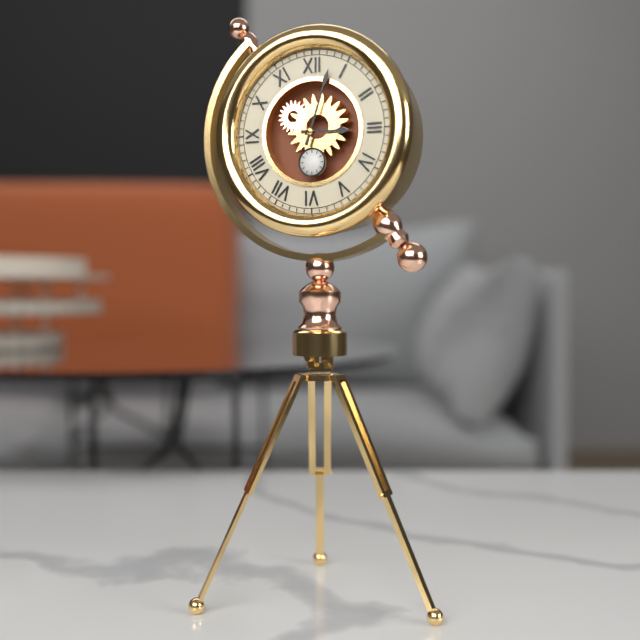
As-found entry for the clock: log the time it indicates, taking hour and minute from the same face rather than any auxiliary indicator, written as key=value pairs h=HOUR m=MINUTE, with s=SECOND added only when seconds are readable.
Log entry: h=3 m=3
